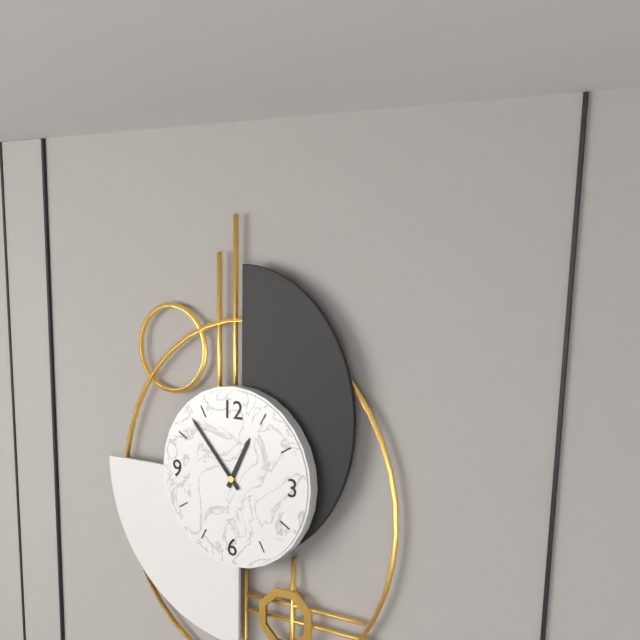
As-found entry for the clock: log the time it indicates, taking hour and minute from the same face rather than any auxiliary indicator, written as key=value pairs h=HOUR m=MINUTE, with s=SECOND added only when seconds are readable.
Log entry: h=12 m=53
